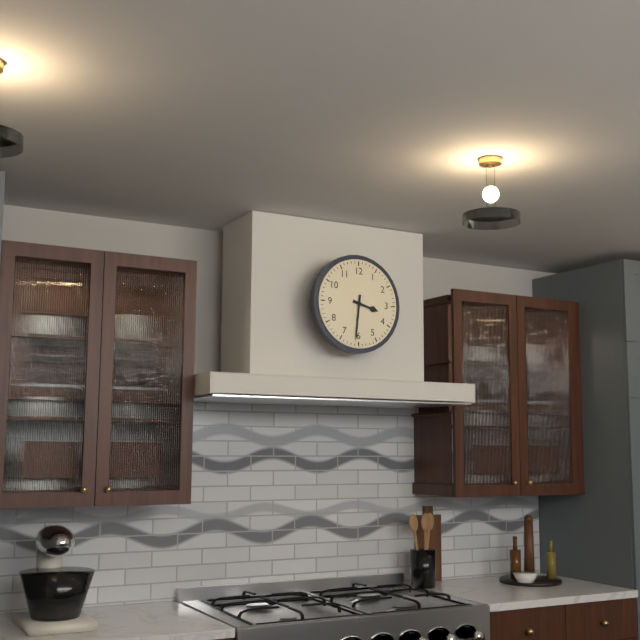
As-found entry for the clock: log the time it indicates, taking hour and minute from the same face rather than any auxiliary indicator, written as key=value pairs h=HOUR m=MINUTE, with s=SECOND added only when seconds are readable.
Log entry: h=3 m=31
